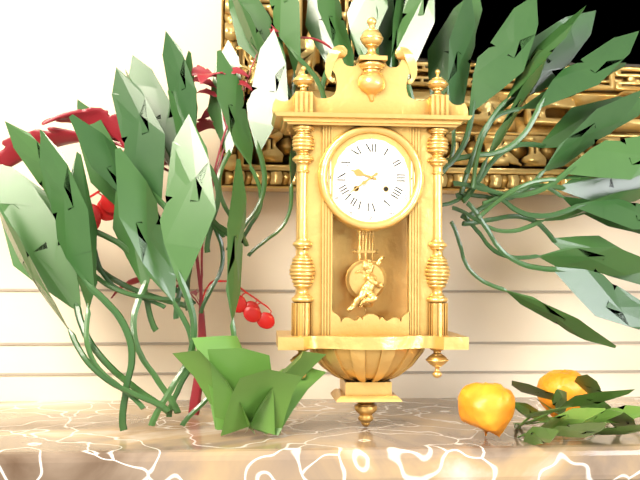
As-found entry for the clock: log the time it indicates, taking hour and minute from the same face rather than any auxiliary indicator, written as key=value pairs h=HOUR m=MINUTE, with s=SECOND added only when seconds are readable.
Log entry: h=9 m=39
